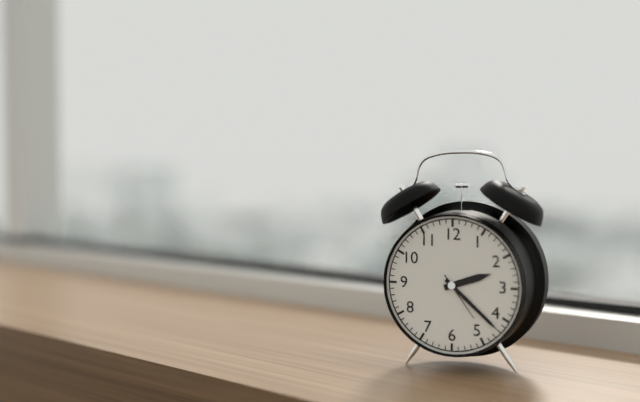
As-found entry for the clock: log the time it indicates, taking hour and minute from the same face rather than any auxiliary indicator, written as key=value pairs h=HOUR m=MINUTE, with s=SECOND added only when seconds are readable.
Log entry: h=2 m=22
